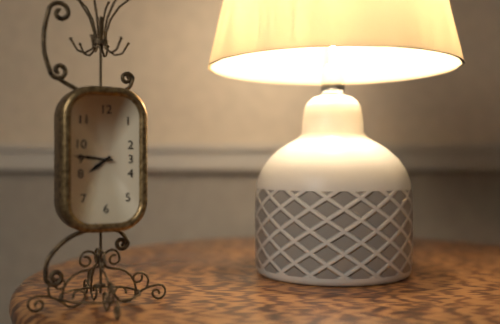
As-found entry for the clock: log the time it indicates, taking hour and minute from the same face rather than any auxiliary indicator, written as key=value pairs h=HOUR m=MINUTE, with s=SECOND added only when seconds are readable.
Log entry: h=7 m=46
